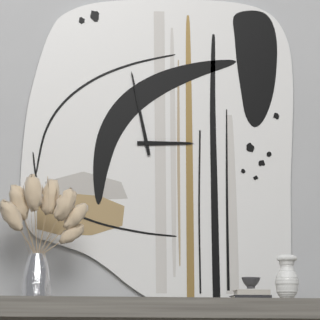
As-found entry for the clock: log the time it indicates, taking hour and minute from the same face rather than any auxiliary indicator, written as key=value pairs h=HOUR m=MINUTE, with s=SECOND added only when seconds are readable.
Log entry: h=2 m=58
